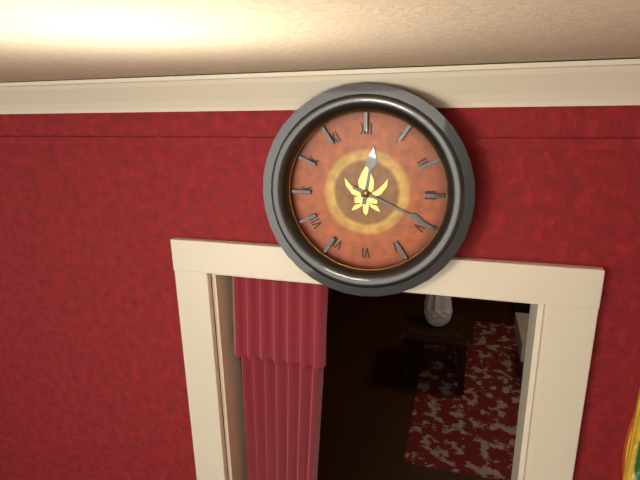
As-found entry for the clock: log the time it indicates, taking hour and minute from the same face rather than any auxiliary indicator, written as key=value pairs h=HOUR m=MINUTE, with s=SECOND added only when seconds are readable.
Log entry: h=12 m=19
